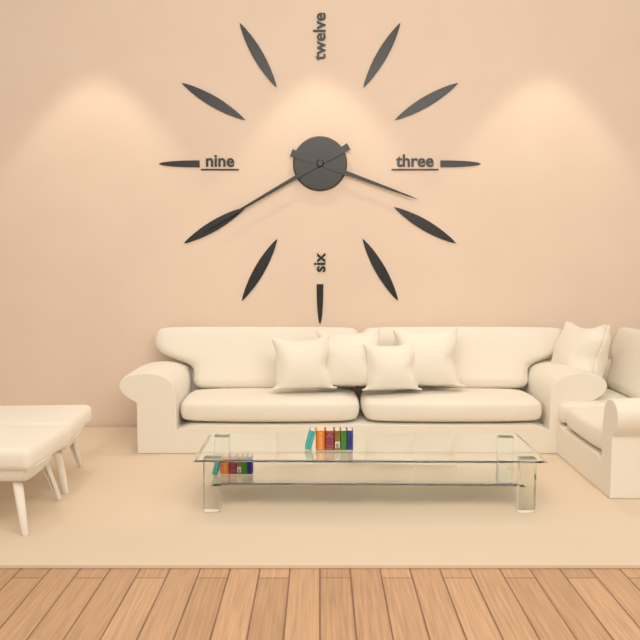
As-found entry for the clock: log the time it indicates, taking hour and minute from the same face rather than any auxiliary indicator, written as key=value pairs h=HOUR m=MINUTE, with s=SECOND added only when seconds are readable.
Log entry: h=3 m=40
